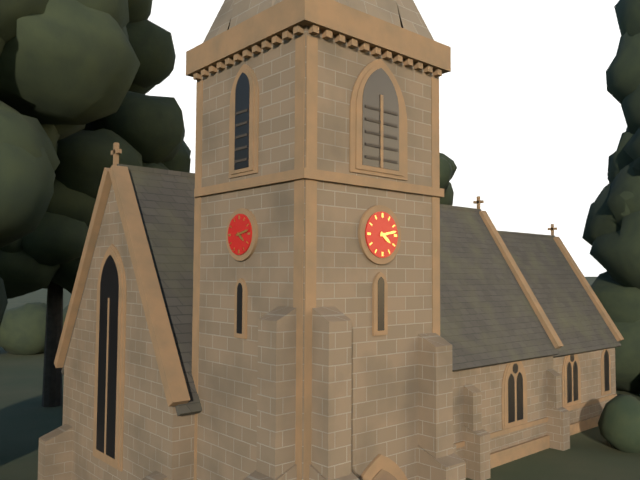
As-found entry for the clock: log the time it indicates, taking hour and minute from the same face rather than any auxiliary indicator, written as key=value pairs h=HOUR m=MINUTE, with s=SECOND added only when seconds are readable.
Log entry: h=4 m=13
